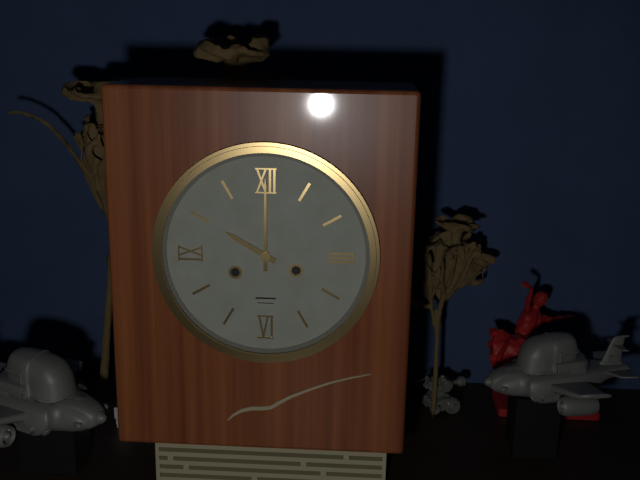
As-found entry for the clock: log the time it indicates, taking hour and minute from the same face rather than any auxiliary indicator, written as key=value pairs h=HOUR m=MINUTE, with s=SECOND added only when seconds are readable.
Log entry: h=10 m=0
